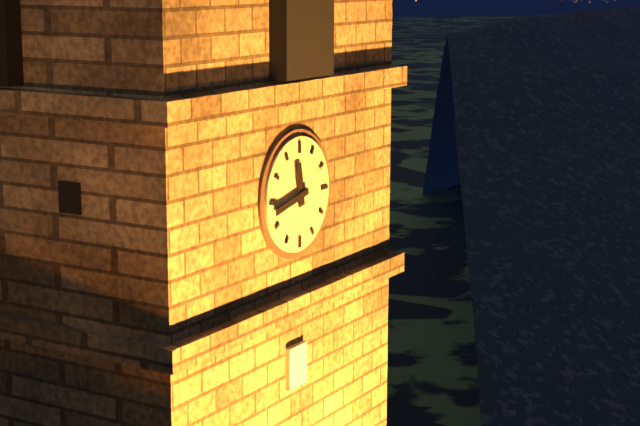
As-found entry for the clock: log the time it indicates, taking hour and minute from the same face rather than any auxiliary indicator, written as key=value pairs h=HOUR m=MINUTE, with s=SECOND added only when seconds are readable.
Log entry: h=11 m=43
